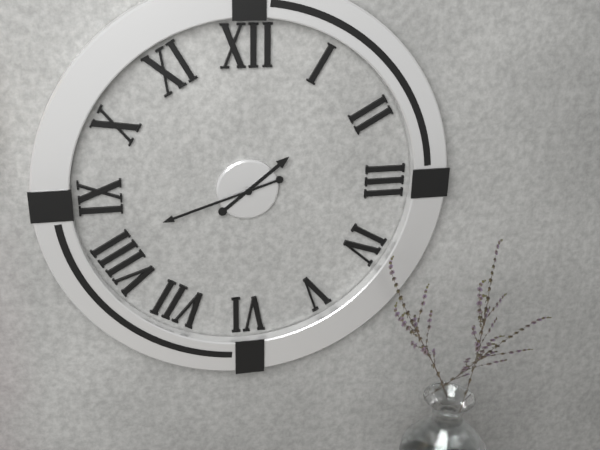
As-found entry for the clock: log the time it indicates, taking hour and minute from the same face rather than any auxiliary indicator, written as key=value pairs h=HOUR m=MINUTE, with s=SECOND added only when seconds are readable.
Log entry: h=1 m=42
